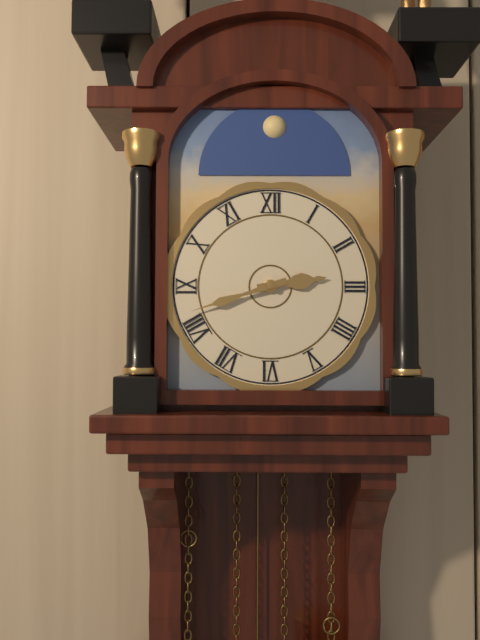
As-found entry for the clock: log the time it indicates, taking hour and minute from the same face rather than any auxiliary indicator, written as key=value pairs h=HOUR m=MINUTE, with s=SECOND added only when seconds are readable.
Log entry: h=2 m=42
